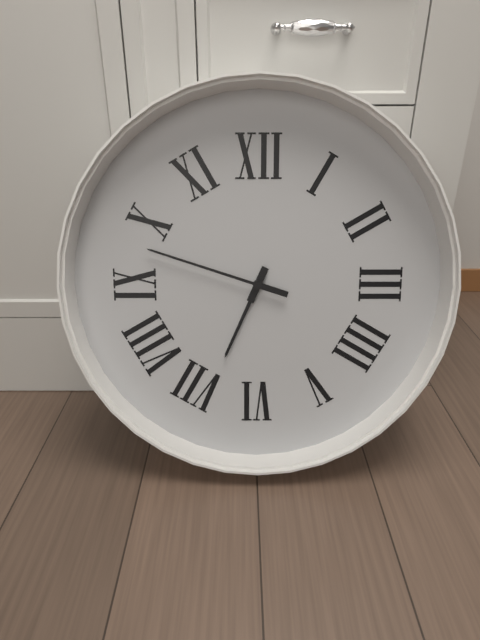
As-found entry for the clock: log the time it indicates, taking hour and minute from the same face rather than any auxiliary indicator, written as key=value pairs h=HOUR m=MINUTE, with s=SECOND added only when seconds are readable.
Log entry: h=6 m=48
